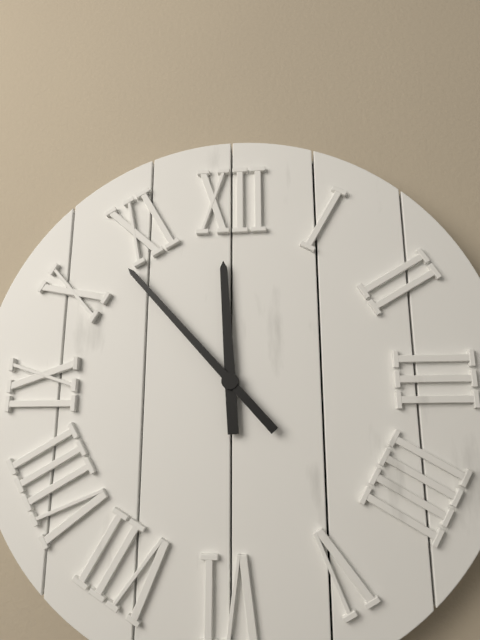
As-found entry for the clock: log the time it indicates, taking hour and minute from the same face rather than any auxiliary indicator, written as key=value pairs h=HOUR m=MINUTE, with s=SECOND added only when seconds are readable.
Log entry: h=11 m=53
